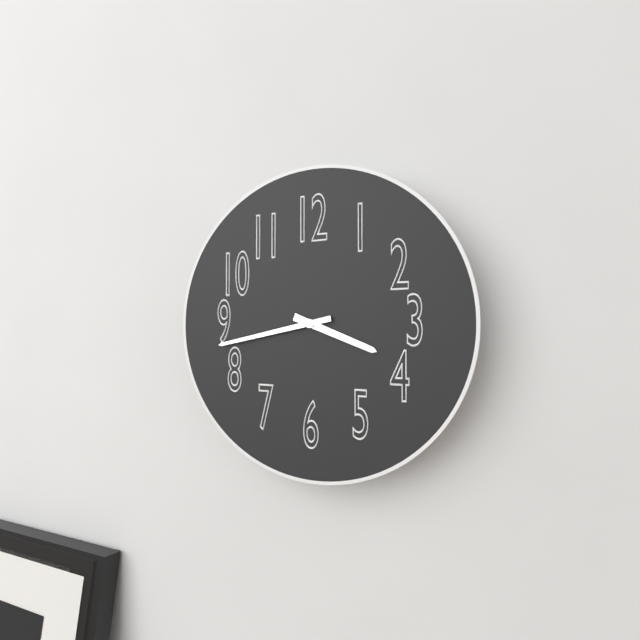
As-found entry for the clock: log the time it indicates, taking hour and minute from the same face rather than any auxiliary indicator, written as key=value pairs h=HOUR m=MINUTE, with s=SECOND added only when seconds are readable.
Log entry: h=3 m=43
